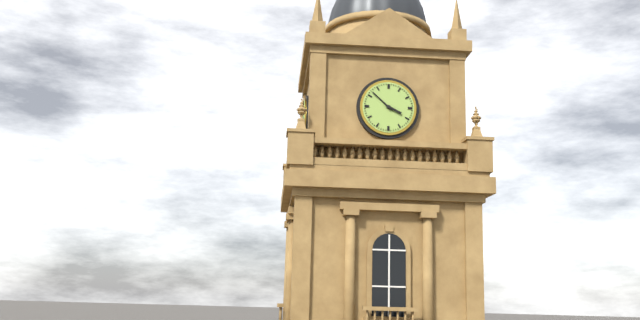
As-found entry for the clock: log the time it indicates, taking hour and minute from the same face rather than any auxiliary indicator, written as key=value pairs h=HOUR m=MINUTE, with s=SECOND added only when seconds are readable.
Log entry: h=3 m=52
